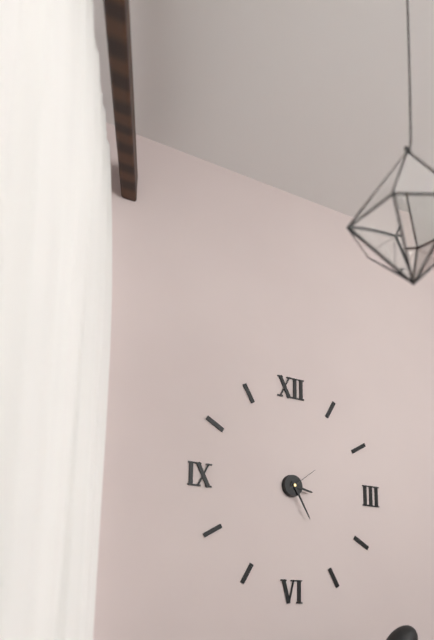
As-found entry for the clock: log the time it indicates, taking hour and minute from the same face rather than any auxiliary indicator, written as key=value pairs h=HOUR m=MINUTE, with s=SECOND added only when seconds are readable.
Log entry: h=3 m=25
